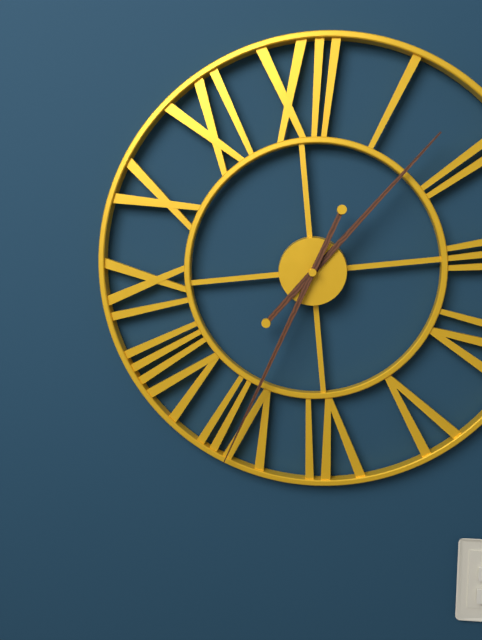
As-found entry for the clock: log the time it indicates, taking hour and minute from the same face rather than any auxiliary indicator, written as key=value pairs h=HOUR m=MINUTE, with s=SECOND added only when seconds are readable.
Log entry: h=1 m=35
